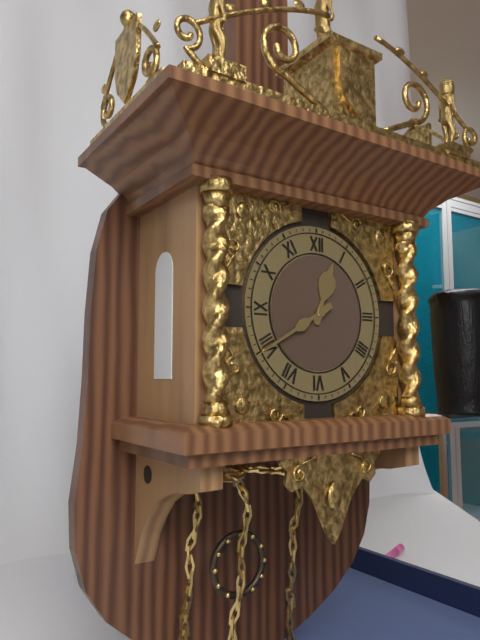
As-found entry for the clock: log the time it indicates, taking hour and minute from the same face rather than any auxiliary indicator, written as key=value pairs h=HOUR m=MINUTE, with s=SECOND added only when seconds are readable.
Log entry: h=12 m=40
